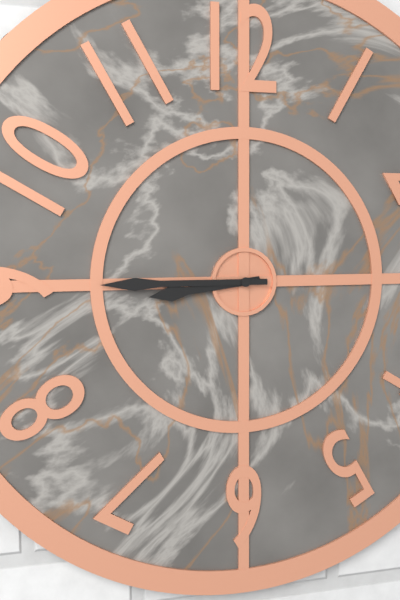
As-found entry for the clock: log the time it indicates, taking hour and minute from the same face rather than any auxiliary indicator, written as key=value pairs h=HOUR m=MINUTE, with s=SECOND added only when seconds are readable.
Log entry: h=8 m=45
